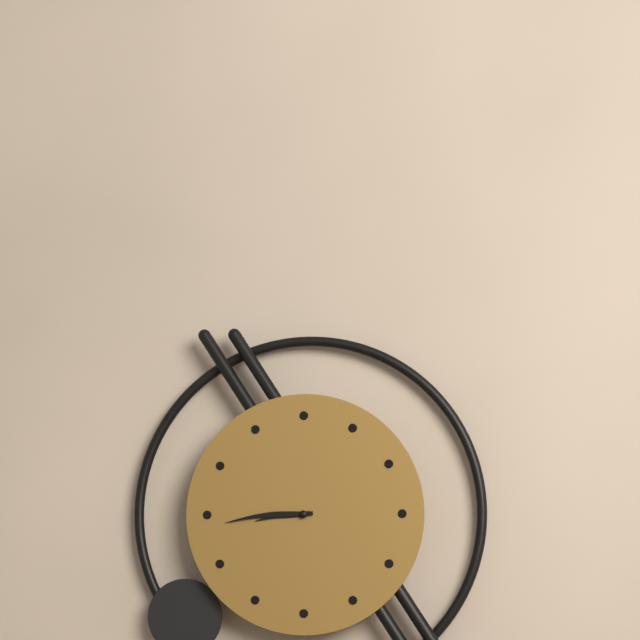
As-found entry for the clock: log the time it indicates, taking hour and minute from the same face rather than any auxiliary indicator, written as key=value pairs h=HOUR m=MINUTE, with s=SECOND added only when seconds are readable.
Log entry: h=8 m=44
